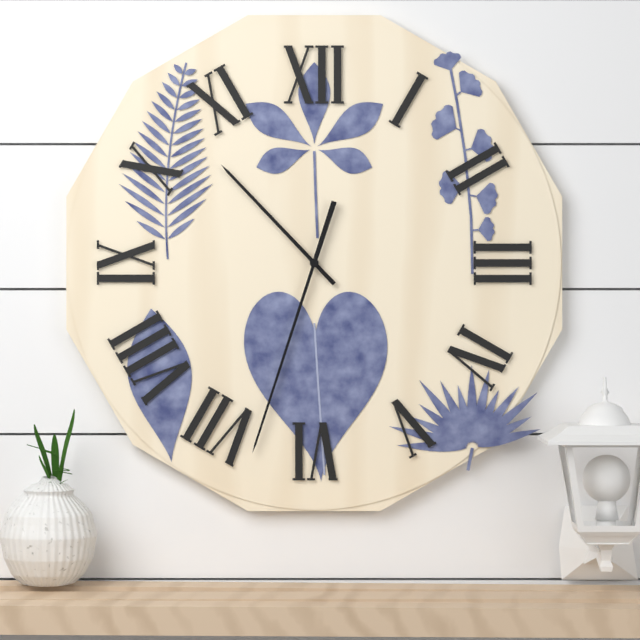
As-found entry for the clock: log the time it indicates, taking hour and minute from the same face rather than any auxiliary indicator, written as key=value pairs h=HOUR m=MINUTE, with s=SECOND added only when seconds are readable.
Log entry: h=10 m=33
